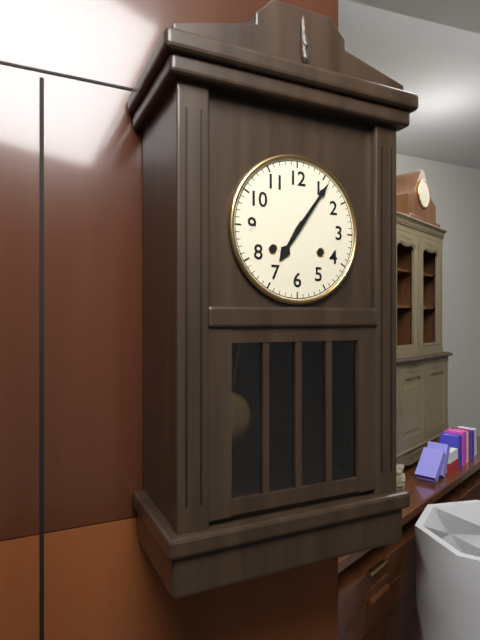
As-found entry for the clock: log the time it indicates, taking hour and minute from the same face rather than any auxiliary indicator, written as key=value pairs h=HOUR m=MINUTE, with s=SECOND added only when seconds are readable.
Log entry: h=7 m=6
